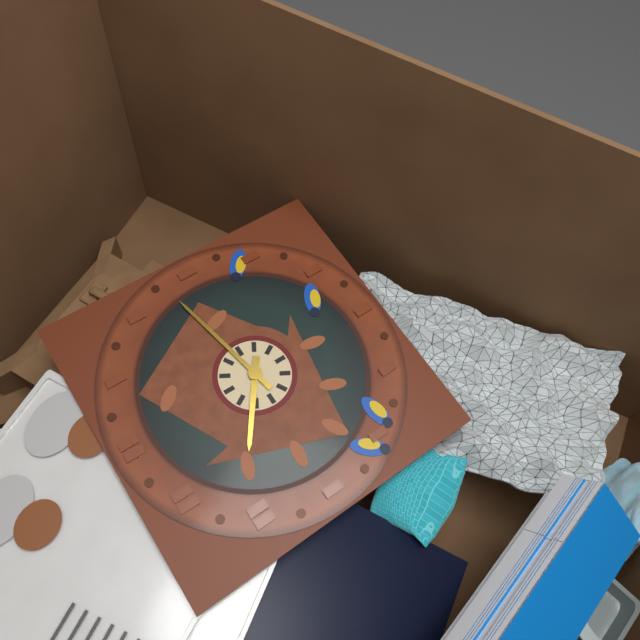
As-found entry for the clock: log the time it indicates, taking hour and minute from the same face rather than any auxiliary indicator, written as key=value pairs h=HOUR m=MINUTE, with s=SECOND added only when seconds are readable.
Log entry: h=10 m=13
